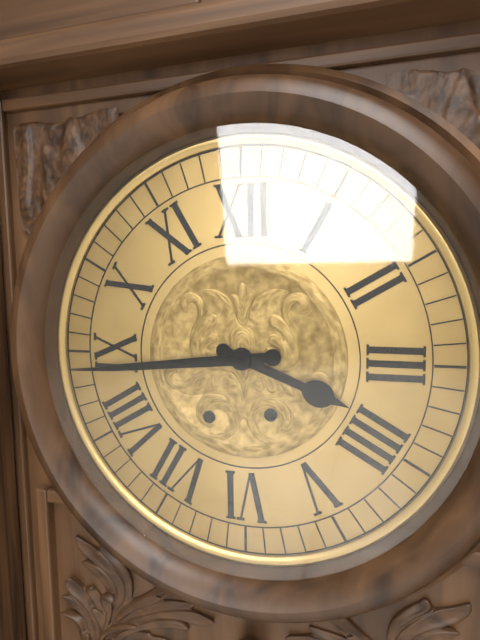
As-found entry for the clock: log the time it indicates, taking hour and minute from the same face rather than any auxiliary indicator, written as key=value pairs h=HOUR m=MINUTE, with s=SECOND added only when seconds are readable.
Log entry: h=3 m=44
